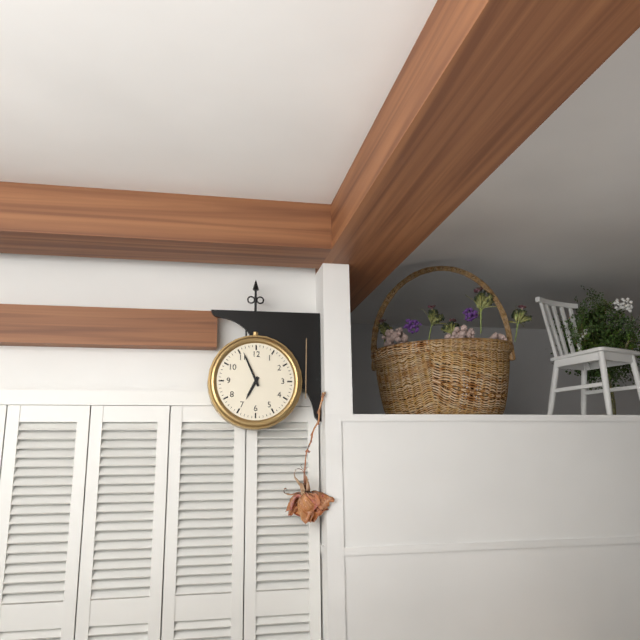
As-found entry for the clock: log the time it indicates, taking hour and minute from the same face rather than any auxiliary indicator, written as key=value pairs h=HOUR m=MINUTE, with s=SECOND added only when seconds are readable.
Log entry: h=6 m=56
